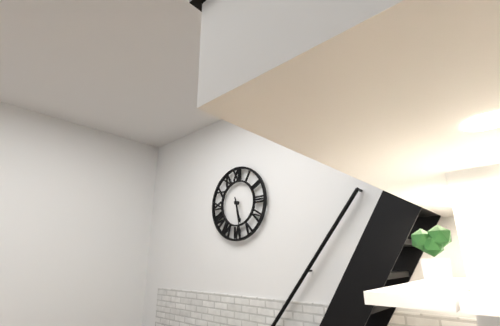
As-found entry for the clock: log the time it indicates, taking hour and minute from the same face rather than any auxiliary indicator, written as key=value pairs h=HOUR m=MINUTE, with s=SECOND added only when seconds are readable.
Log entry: h=5 m=28
